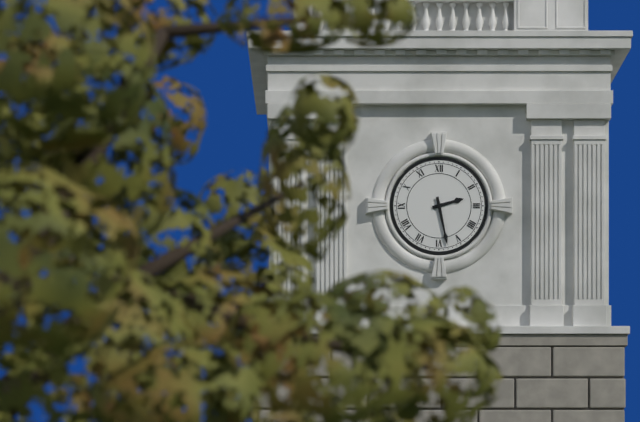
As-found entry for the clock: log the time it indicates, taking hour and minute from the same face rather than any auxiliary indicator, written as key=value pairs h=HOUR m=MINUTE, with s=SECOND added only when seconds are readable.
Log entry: h=2 m=28
